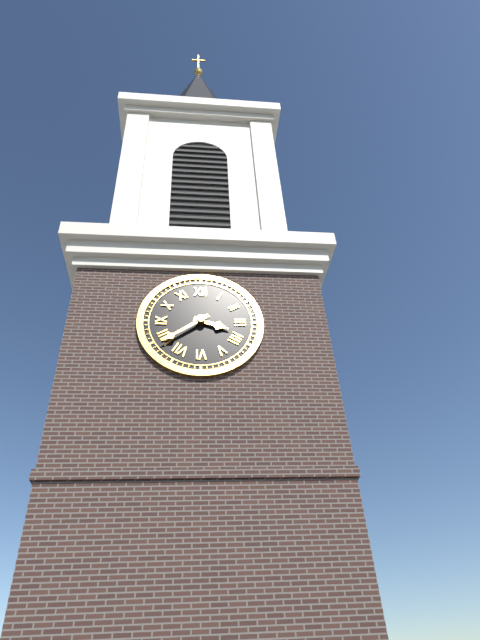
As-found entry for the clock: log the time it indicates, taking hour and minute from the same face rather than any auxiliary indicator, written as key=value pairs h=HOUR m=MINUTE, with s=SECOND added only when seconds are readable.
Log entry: h=3 m=39
